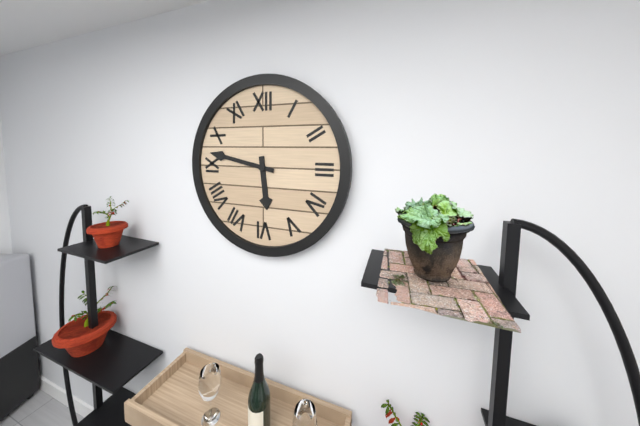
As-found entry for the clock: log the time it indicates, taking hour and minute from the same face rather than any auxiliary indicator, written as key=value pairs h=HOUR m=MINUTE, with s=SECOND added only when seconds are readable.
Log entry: h=5 m=47
